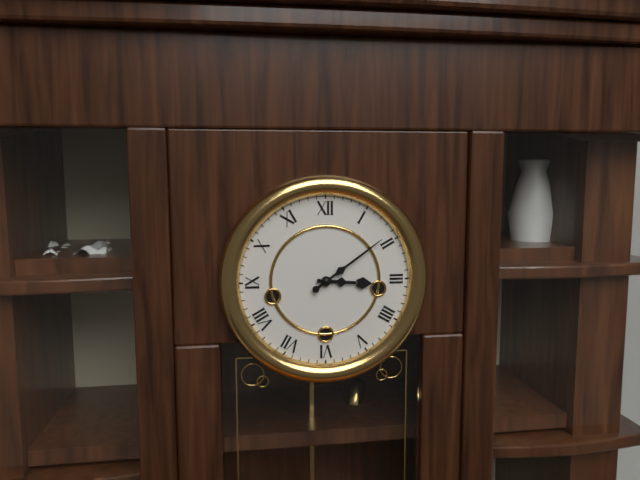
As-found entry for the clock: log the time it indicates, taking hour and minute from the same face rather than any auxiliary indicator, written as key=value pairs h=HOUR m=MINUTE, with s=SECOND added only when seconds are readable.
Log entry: h=3 m=9
